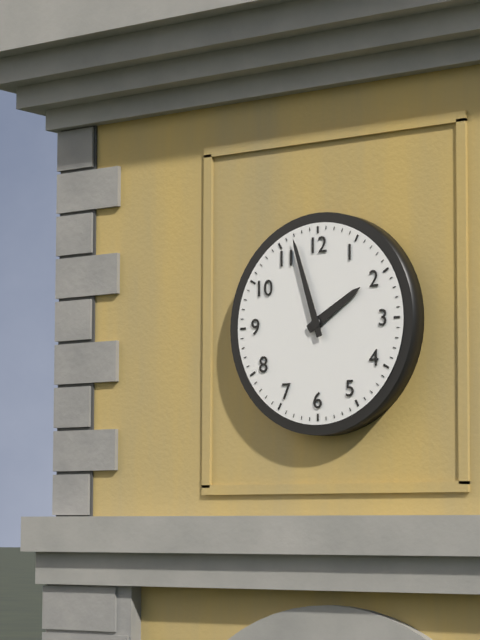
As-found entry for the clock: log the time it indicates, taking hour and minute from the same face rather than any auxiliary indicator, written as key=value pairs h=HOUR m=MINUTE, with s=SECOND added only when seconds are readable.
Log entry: h=1 m=57
